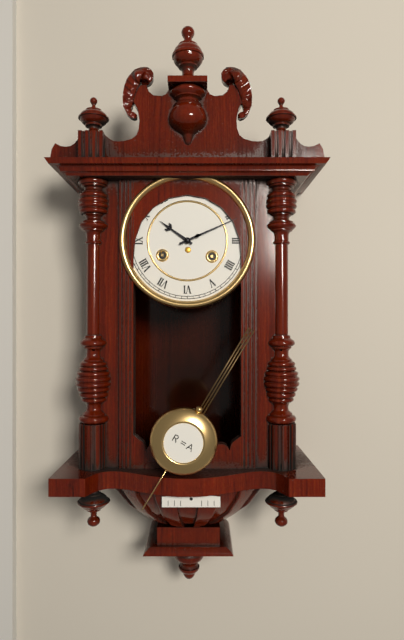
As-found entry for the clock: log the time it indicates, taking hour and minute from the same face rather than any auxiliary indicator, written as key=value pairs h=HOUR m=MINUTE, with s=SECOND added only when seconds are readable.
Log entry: h=10 m=11
